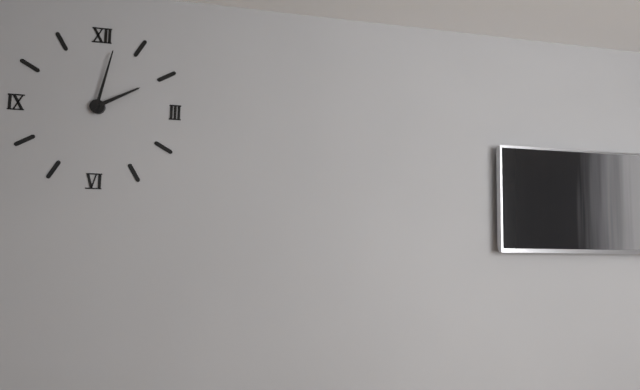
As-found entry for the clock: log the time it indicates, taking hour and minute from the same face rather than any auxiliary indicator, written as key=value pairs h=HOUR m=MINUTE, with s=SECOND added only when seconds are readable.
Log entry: h=2 m=2
